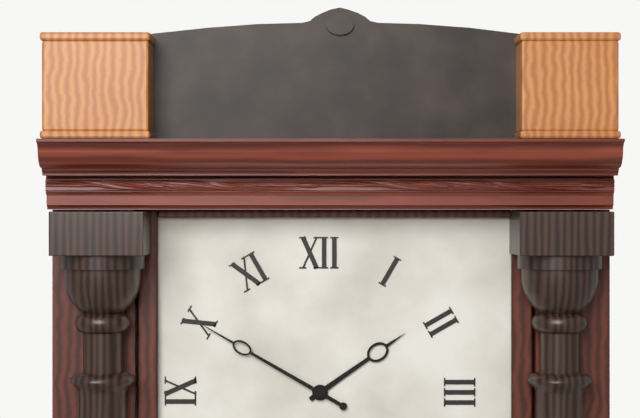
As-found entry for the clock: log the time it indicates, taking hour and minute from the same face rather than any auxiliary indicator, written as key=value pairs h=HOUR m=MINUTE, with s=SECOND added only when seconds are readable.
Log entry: h=1 m=50
